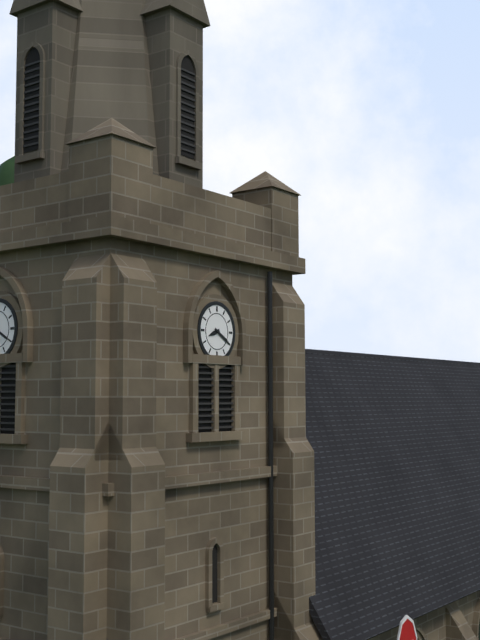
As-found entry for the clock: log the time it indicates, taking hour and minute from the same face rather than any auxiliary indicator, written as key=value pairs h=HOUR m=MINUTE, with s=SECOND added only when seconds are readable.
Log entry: h=8 m=20
